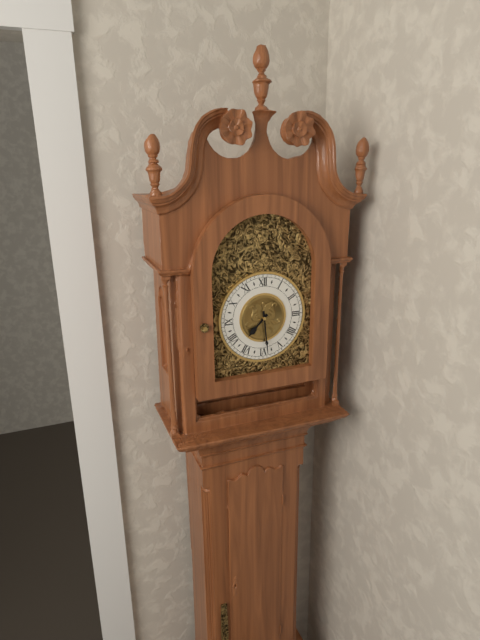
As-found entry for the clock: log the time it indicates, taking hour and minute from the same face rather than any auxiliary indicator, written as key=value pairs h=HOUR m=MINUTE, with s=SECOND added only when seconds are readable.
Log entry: h=7 m=29
